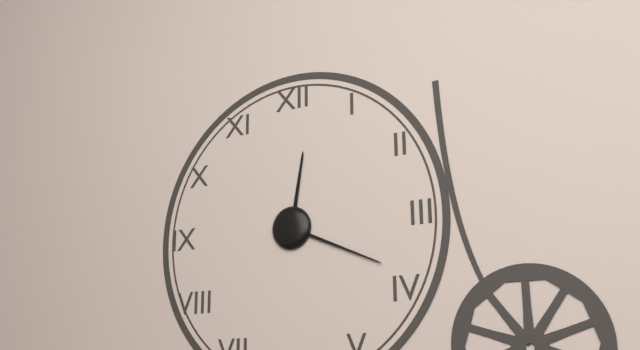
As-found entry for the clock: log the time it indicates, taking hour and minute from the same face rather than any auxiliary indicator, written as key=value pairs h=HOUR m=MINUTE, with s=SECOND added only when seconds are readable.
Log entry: h=12 m=19
